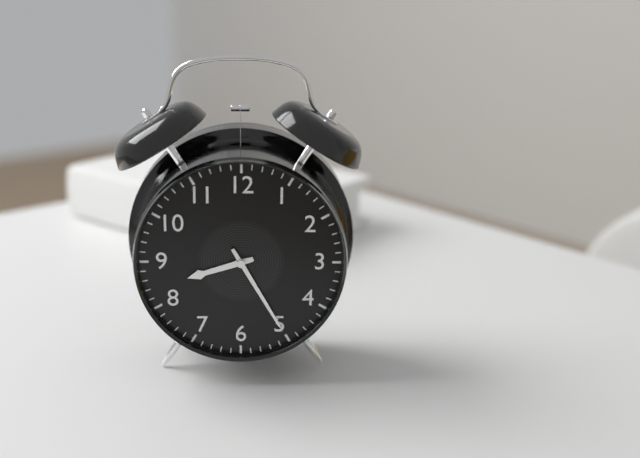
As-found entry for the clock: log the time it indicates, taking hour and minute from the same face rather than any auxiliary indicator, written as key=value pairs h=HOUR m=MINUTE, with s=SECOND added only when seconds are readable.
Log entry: h=8 m=25
